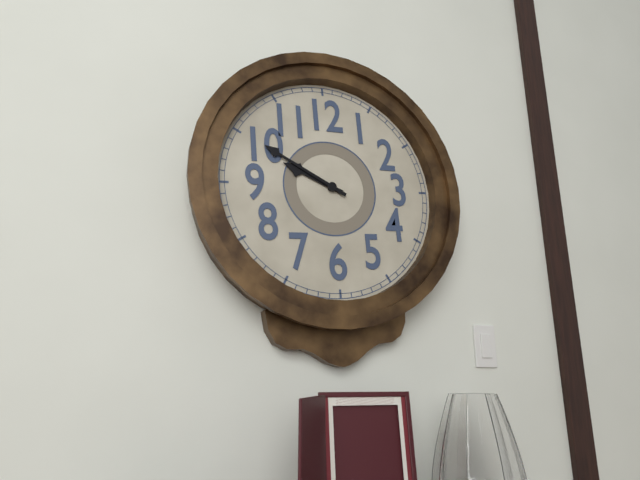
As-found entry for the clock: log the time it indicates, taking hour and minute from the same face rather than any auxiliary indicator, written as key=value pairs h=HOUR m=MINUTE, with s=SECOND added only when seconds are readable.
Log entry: h=9 m=50
